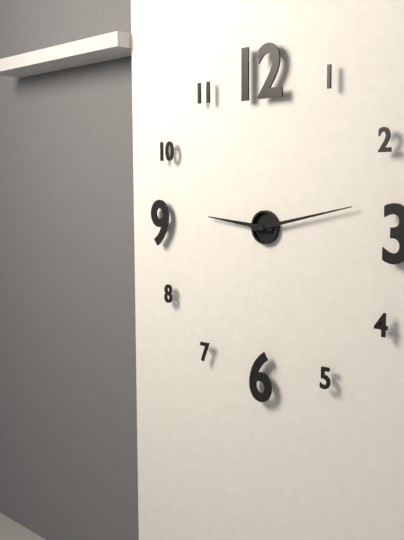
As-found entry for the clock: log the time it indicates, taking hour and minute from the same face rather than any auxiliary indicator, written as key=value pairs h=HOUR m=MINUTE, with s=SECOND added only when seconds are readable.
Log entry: h=9 m=13
